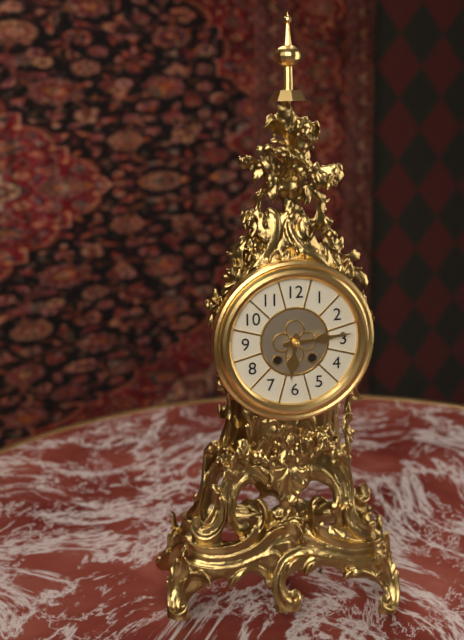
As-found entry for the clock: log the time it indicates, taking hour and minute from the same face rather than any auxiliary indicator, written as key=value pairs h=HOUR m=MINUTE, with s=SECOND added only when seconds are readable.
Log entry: h=6 m=14
